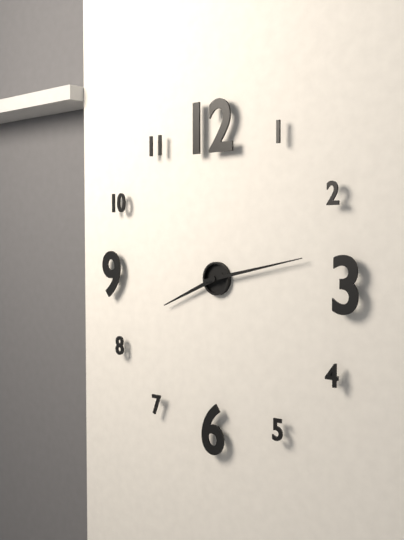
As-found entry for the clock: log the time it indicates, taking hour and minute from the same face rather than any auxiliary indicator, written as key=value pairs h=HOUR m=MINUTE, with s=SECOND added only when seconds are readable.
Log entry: h=8 m=13
